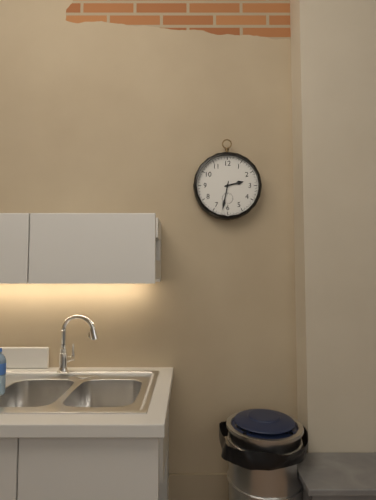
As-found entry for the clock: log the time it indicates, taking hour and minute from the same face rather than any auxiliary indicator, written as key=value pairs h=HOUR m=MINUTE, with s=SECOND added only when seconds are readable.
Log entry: h=2 m=32
